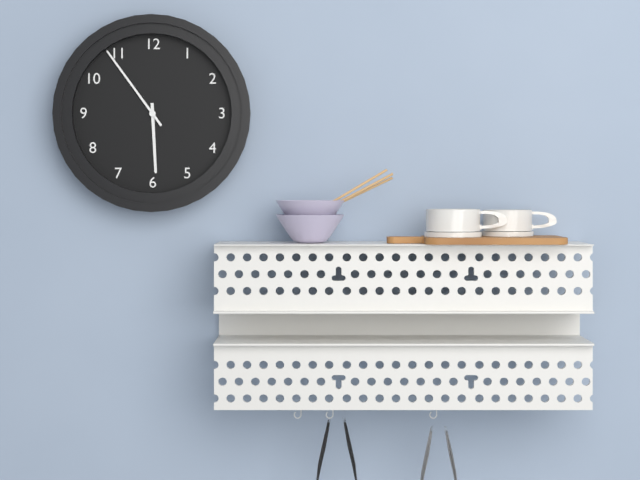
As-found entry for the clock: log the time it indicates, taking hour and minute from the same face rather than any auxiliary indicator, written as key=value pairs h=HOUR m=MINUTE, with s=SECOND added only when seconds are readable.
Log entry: h=5 m=54
